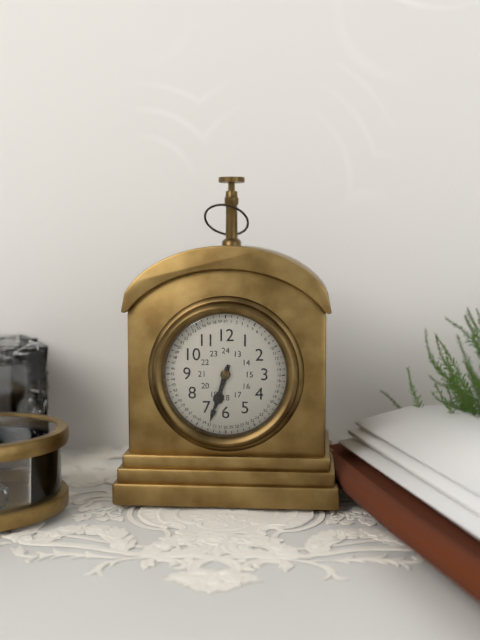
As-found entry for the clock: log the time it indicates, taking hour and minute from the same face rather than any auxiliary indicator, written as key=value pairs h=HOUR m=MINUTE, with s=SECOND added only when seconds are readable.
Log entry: h=6 m=33
